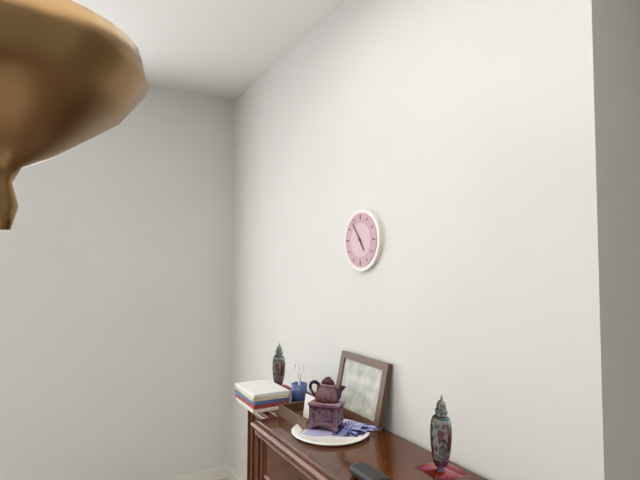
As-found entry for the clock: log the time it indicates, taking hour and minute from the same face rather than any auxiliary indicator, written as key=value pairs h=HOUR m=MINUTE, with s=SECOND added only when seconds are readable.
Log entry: h=4 m=54
